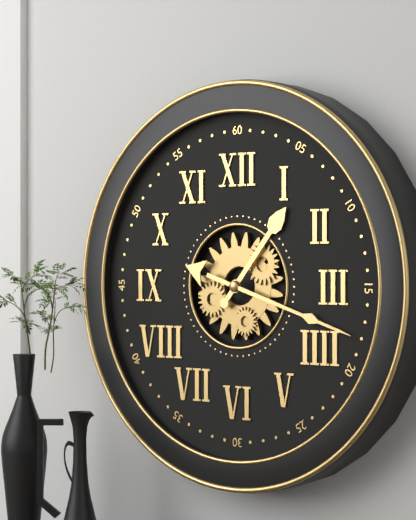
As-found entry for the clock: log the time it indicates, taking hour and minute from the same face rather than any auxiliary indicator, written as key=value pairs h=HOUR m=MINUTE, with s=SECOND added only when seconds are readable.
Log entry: h=1 m=18
